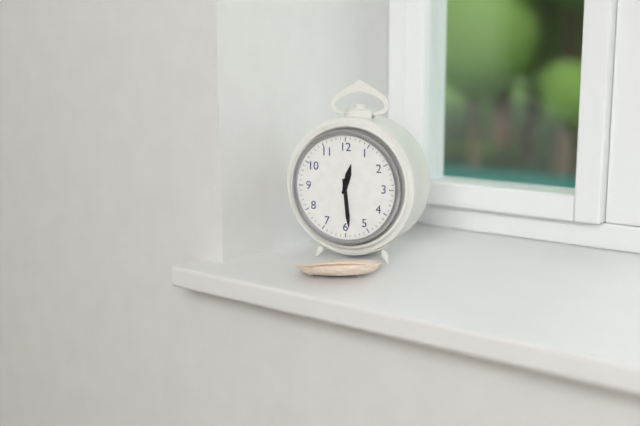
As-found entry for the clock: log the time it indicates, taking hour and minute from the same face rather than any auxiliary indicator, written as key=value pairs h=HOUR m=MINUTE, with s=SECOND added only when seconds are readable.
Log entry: h=12 m=29
